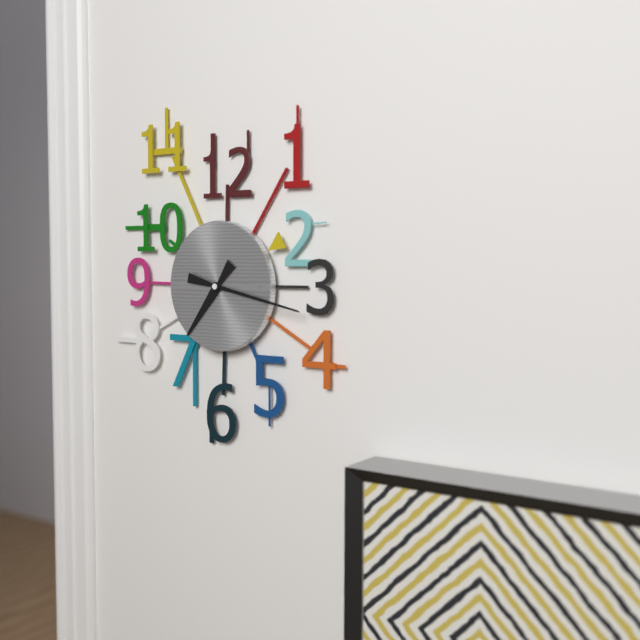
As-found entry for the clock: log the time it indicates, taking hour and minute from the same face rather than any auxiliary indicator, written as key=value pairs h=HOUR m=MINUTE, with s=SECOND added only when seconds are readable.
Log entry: h=7 m=17
